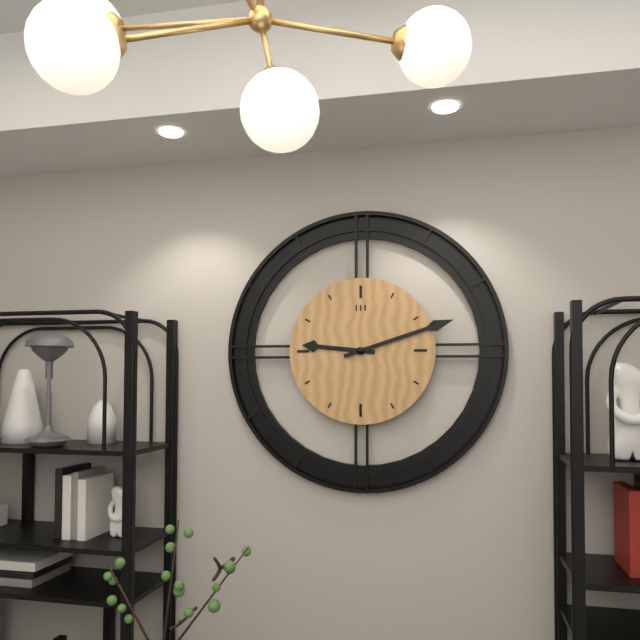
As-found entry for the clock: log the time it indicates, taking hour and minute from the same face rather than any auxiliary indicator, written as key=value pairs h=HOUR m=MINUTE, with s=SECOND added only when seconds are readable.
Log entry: h=9 m=12
